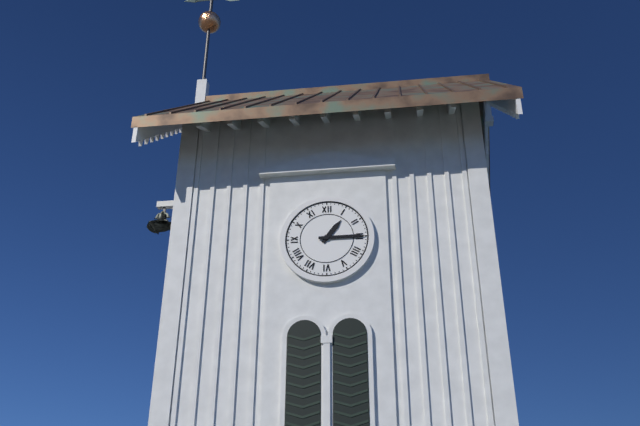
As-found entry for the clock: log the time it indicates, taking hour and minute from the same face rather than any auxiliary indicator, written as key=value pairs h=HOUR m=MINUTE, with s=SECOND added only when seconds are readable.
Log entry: h=1 m=15
